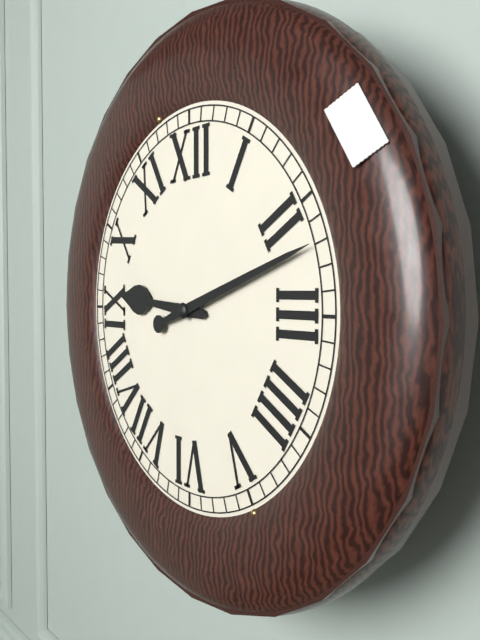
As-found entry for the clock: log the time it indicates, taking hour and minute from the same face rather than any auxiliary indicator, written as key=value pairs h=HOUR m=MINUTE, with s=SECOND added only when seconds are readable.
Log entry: h=9 m=12
